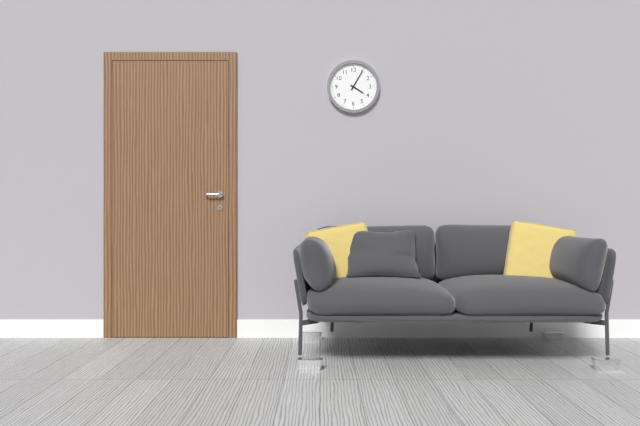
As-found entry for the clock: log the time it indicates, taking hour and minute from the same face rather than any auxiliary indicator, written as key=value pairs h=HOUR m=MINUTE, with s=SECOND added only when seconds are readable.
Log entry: h=4 m=5
